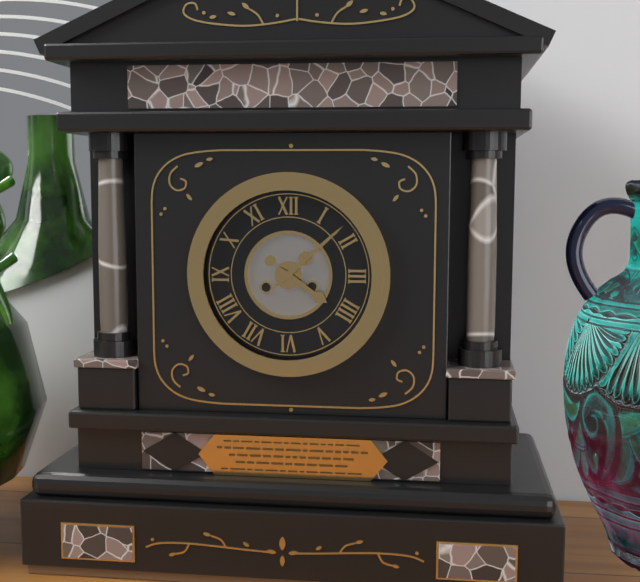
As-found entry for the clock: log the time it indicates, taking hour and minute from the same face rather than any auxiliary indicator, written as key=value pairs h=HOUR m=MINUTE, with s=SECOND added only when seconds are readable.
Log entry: h=4 m=8
